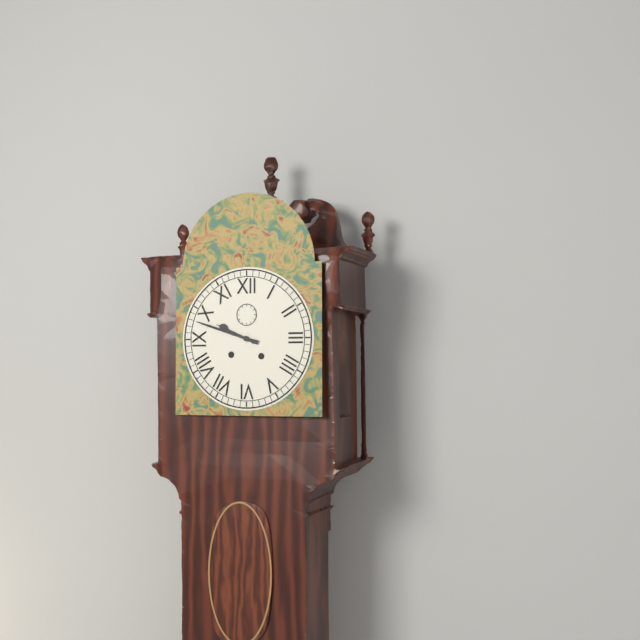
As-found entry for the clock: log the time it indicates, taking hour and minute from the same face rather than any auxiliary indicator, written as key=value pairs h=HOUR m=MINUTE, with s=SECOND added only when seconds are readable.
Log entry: h=9 m=48
